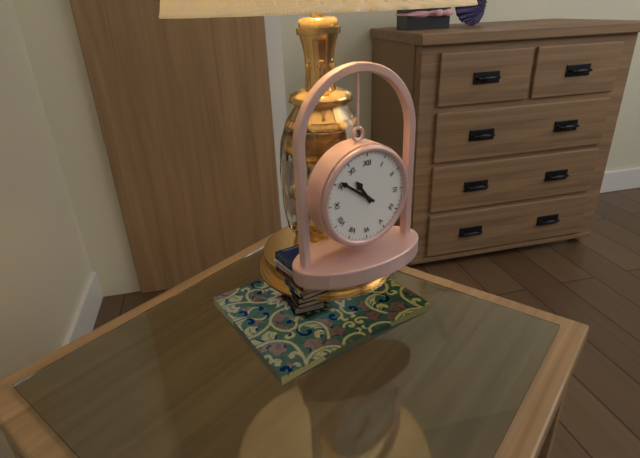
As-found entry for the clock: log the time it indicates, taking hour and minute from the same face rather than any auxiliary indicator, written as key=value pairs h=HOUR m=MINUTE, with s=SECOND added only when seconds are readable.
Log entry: h=10 m=51
